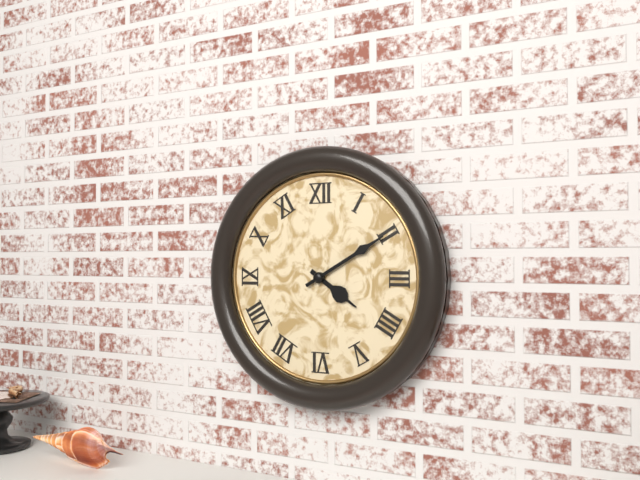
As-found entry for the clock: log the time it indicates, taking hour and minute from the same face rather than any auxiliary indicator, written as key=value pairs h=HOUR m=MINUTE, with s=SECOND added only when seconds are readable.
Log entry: h=4 m=10
